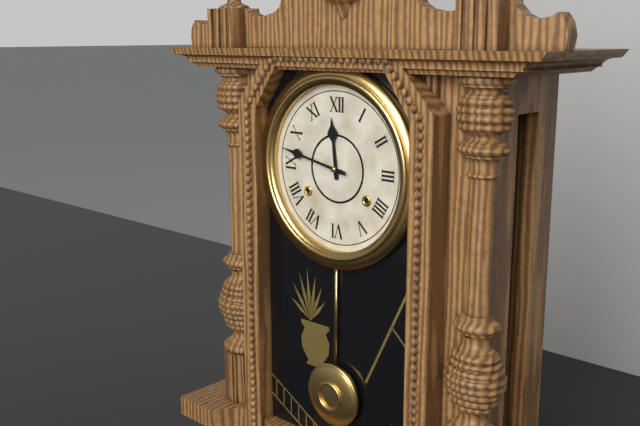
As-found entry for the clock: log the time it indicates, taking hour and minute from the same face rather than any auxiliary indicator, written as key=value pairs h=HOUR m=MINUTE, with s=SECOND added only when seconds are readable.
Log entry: h=11 m=47
